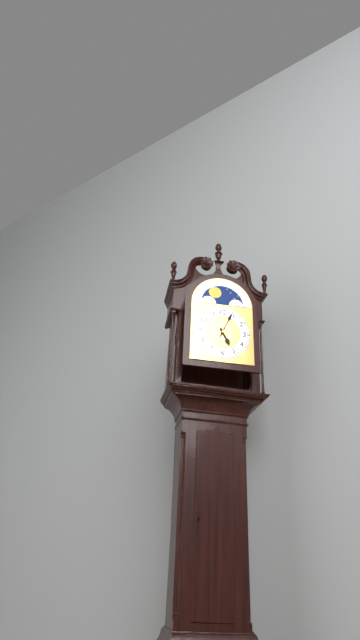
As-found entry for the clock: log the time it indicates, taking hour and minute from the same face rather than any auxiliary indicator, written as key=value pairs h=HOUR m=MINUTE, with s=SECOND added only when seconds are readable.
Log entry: h=5 m=4
